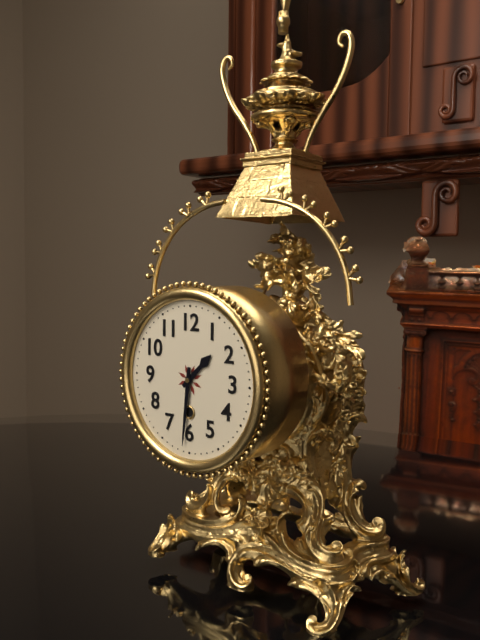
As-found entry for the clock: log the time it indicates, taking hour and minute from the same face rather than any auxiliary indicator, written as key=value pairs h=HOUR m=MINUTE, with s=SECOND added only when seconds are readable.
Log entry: h=1 m=31
